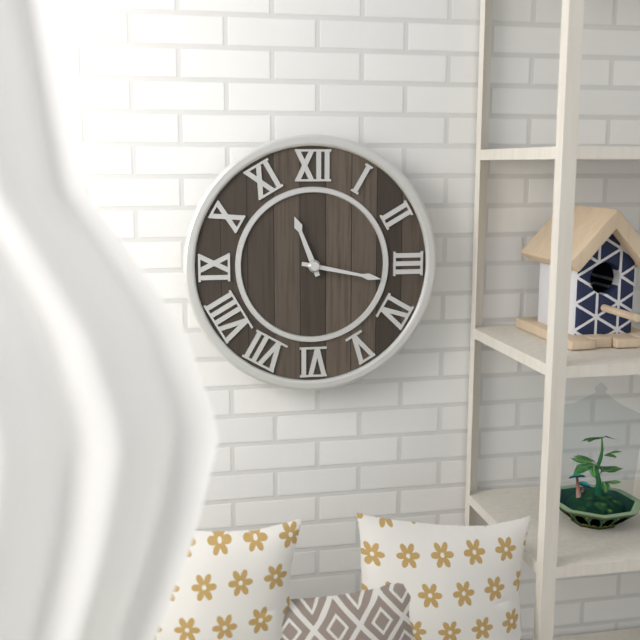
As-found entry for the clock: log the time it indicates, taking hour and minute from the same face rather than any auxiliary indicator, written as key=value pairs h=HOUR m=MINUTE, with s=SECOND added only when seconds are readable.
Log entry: h=11 m=17
